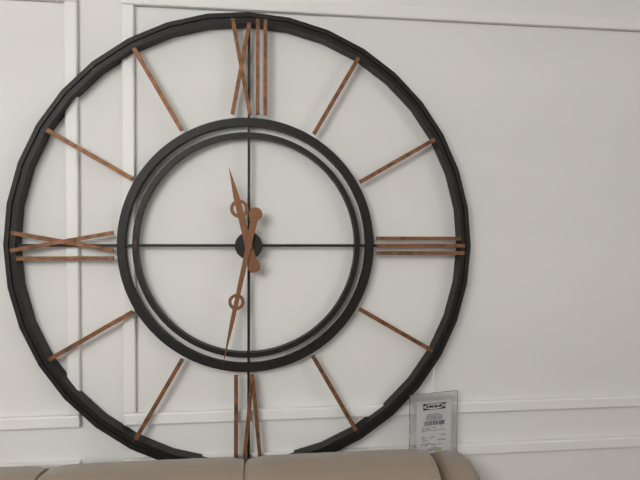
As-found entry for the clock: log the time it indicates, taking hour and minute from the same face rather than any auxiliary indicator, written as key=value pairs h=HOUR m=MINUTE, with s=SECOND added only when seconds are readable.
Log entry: h=11 m=32
